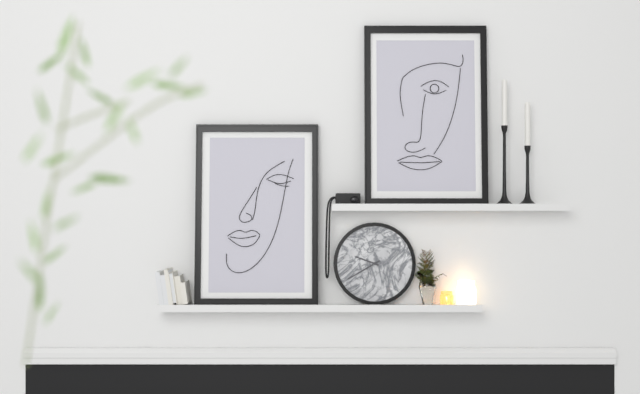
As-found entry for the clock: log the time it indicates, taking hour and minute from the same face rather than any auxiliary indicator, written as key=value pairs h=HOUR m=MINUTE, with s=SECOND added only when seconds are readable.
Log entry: h=9 m=40
